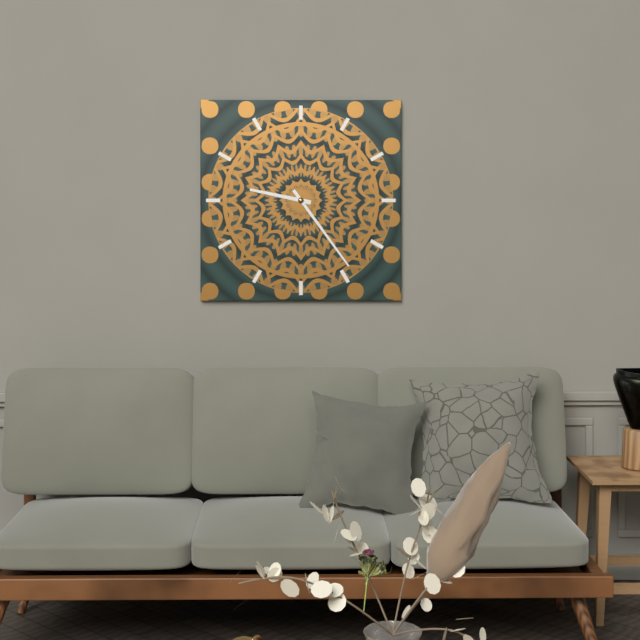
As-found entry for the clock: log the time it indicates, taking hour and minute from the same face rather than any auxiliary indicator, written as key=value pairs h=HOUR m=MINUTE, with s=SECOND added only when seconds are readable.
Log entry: h=9 m=24
